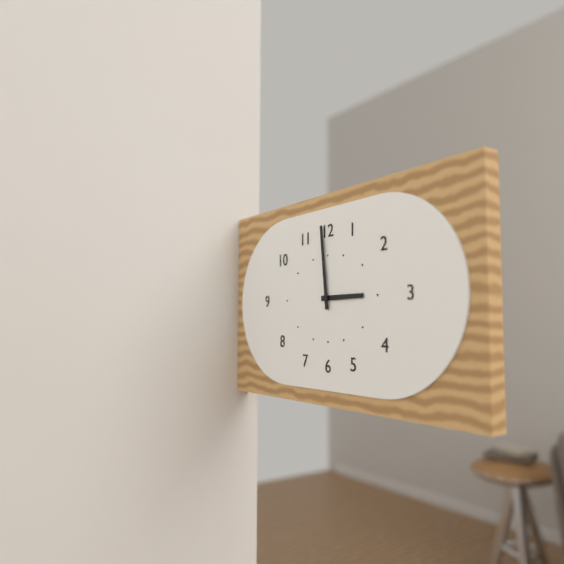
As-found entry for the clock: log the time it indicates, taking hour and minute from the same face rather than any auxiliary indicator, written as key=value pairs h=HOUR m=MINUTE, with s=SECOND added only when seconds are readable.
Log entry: h=2 m=59
